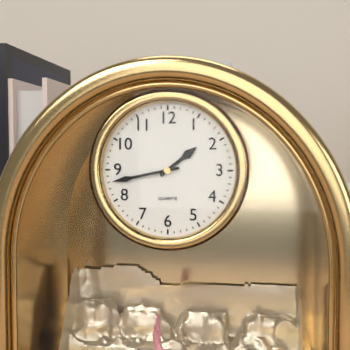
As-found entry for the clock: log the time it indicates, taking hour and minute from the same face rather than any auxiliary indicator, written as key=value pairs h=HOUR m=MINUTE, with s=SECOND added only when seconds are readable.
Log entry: h=1 m=43
